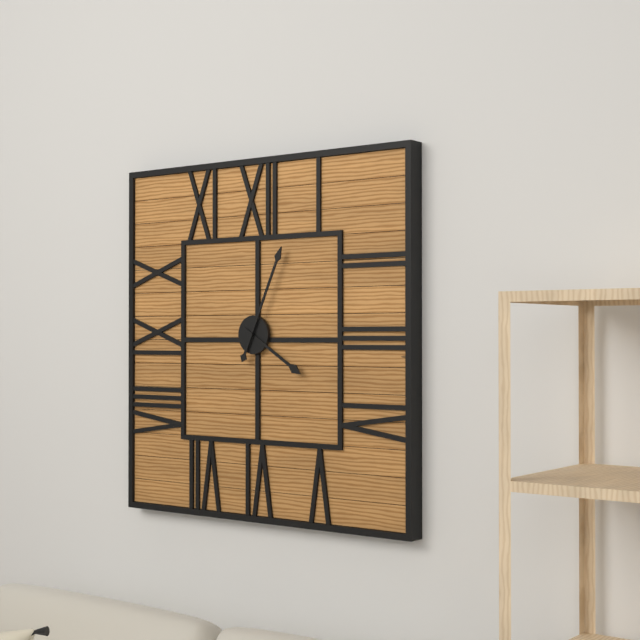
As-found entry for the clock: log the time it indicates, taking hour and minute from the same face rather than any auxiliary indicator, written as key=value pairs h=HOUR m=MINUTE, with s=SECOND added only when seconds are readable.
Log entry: h=4 m=4
